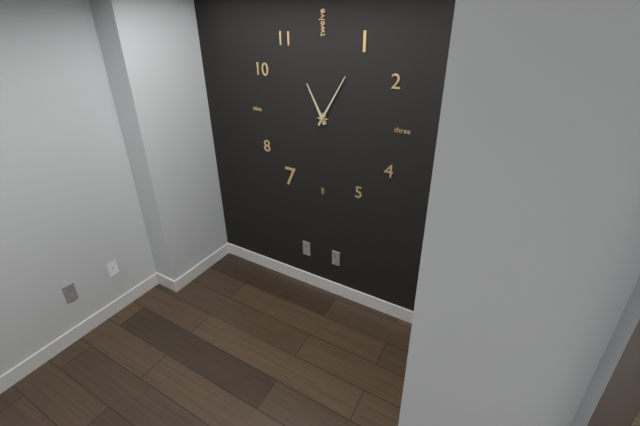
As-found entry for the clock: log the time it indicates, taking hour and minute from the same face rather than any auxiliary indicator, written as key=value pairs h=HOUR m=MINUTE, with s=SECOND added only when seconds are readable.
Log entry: h=11 m=5
